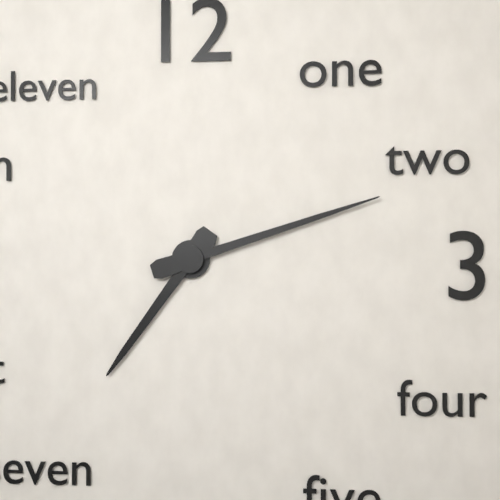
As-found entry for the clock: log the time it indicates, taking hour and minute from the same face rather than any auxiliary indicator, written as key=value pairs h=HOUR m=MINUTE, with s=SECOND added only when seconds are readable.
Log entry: h=7 m=12
